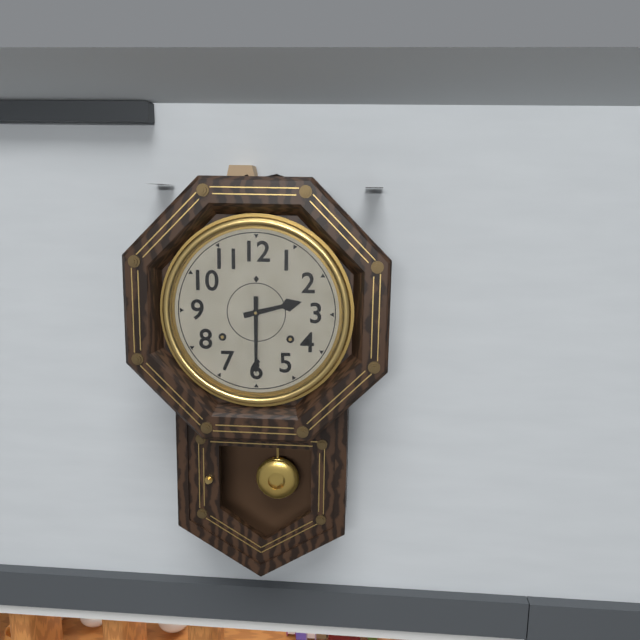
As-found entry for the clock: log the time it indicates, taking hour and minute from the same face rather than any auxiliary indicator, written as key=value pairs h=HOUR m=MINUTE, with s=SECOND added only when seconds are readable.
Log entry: h=2 m=30
